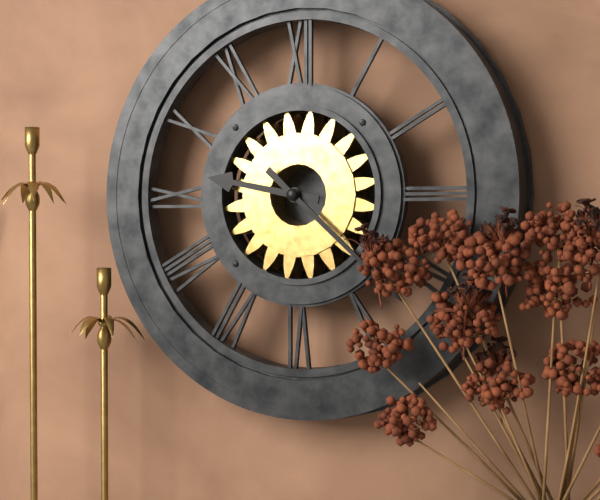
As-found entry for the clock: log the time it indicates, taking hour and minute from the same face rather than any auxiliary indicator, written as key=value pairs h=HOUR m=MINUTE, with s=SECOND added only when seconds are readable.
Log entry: h=9 m=22
